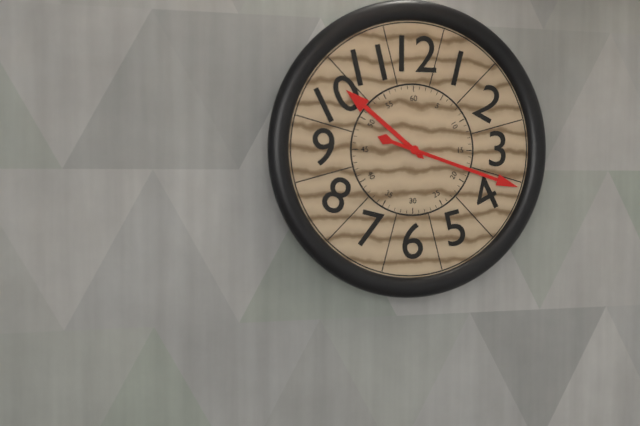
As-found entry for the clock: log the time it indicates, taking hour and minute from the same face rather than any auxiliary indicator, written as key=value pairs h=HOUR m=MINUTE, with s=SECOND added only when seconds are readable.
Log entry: h=10 m=18
